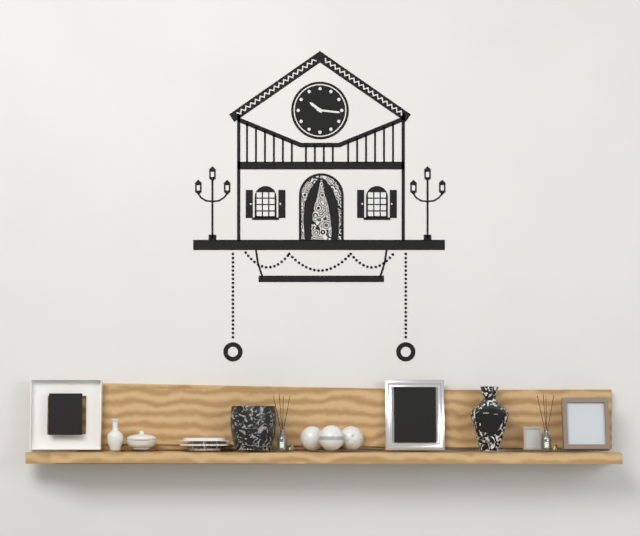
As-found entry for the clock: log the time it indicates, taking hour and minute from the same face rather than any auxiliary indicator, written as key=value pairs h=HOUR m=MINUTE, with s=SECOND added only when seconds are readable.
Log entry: h=10 m=16
